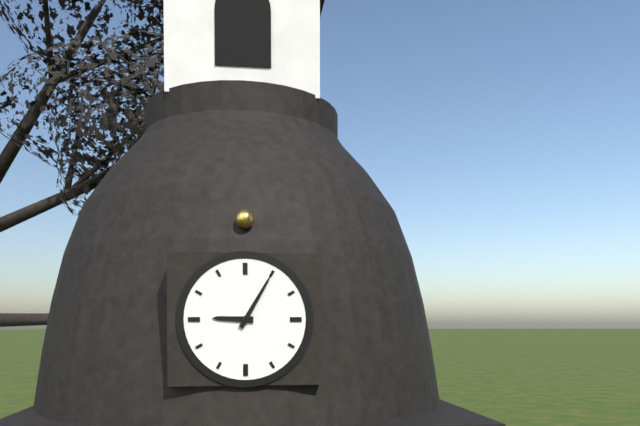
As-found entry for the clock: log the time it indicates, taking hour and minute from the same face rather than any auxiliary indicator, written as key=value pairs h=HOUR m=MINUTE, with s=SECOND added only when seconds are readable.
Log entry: h=9 m=5
